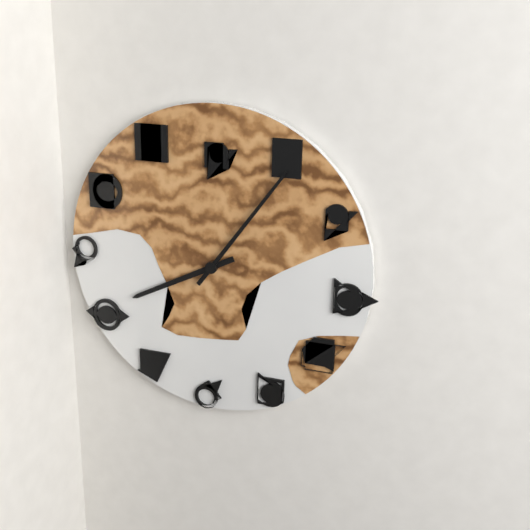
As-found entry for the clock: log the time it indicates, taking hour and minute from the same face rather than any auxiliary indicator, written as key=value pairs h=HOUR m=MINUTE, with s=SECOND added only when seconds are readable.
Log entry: h=8 m=6
